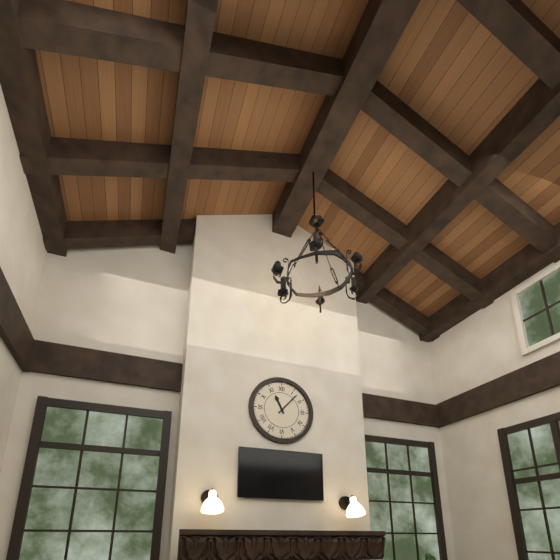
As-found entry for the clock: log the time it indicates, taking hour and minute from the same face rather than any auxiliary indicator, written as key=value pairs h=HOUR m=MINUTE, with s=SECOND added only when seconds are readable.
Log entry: h=11 m=7
